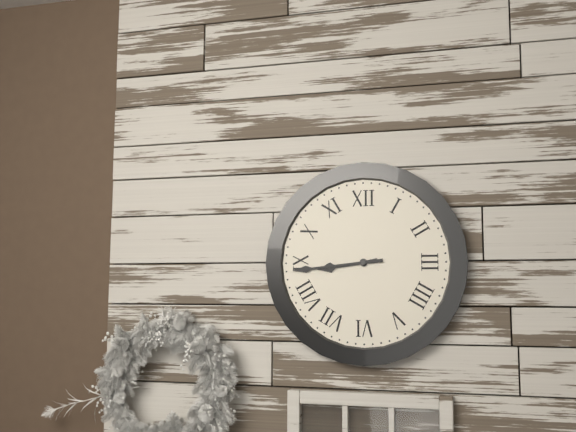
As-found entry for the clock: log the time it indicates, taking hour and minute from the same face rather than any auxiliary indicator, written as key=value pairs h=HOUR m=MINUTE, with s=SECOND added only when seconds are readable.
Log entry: h=8 m=44
